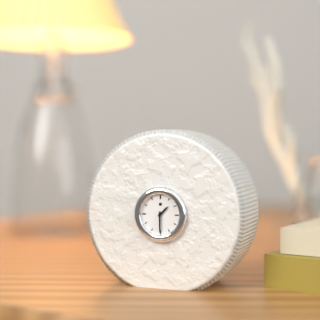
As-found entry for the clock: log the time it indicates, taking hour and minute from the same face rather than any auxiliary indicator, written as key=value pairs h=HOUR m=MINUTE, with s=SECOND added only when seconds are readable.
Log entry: h=1 m=30
